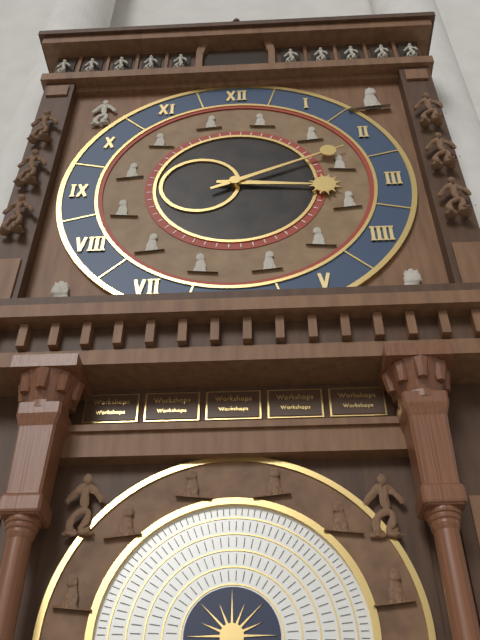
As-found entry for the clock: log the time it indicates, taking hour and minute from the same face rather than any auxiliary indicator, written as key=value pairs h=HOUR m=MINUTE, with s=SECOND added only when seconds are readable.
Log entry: h=3 m=11
